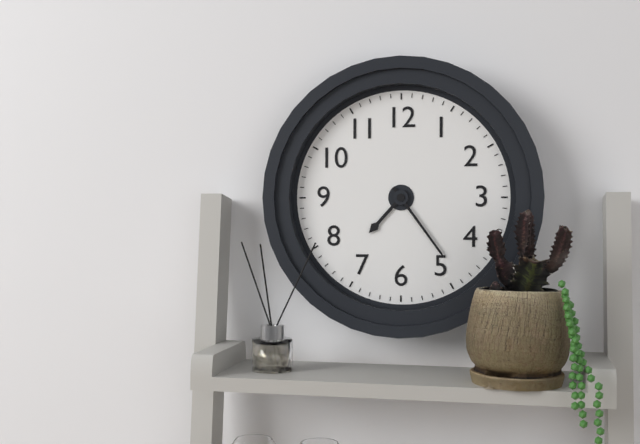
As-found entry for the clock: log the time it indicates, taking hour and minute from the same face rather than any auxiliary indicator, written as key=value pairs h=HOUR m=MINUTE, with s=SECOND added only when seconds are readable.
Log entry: h=7 m=24
